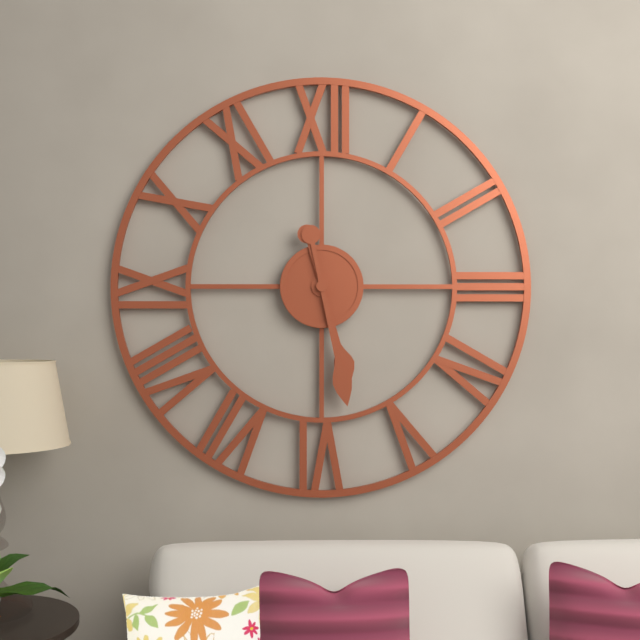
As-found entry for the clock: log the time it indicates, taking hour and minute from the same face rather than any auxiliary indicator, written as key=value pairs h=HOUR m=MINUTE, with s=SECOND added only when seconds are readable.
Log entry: h=5 m=28
